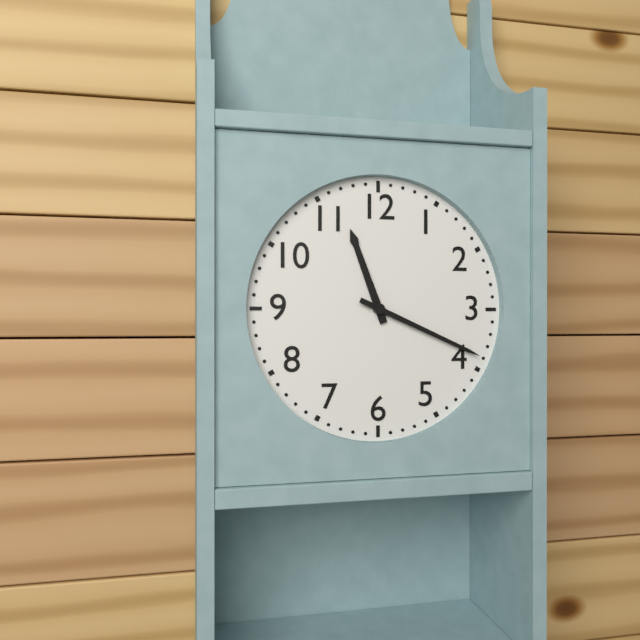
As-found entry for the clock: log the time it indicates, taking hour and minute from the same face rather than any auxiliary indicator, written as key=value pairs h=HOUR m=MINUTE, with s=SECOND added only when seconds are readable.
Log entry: h=11 m=19
